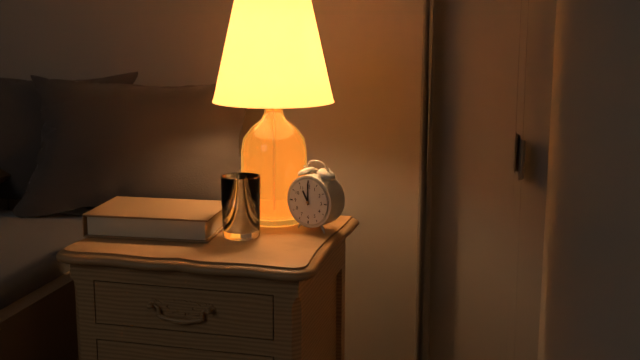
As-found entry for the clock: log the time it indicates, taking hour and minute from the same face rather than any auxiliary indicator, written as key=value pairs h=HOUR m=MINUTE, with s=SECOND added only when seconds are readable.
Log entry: h=11 m=0
